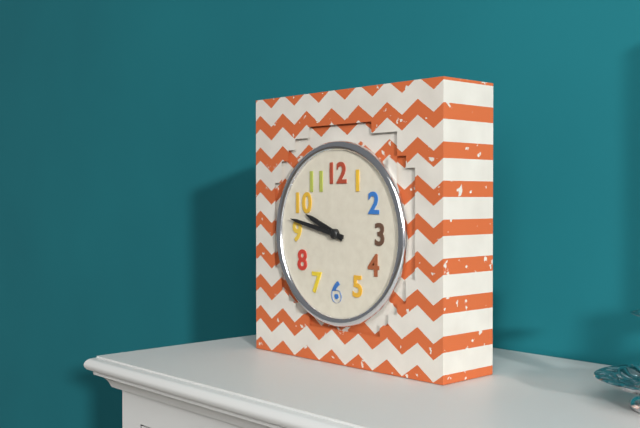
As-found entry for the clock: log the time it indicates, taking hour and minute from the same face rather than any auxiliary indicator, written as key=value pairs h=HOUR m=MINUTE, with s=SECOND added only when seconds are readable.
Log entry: h=9 m=47
